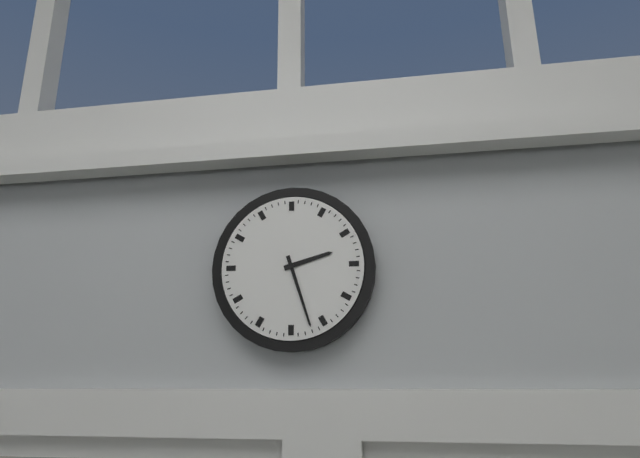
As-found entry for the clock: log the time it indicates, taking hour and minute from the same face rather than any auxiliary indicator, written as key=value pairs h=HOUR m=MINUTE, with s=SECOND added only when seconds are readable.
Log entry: h=2 m=27
